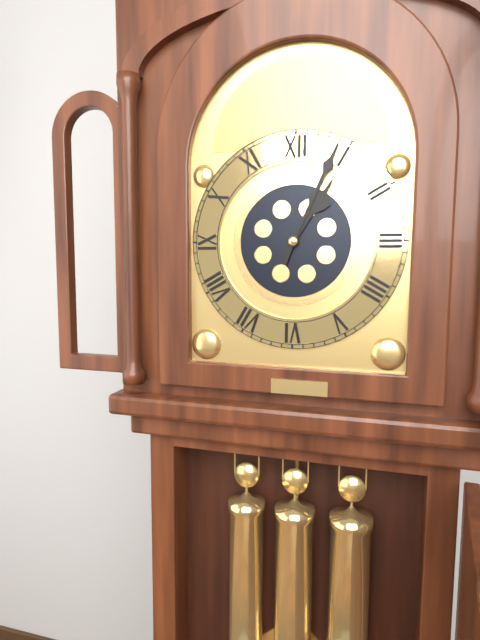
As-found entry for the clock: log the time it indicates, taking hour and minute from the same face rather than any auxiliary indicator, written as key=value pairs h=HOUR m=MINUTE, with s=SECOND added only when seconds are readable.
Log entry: h=1 m=4
